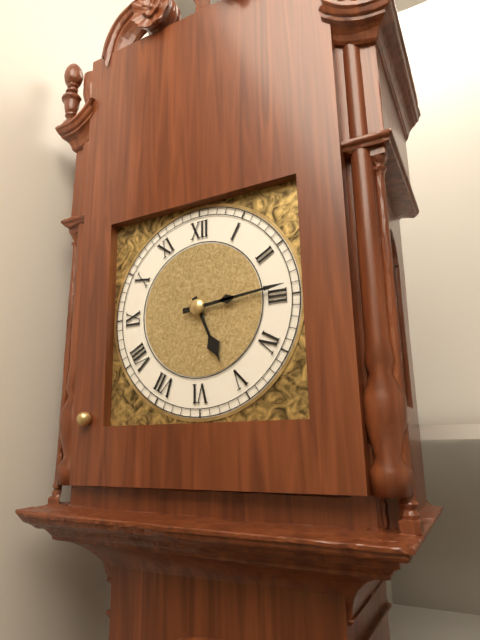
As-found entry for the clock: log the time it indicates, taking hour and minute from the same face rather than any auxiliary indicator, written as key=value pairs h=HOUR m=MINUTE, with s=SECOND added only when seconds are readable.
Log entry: h=5 m=14
